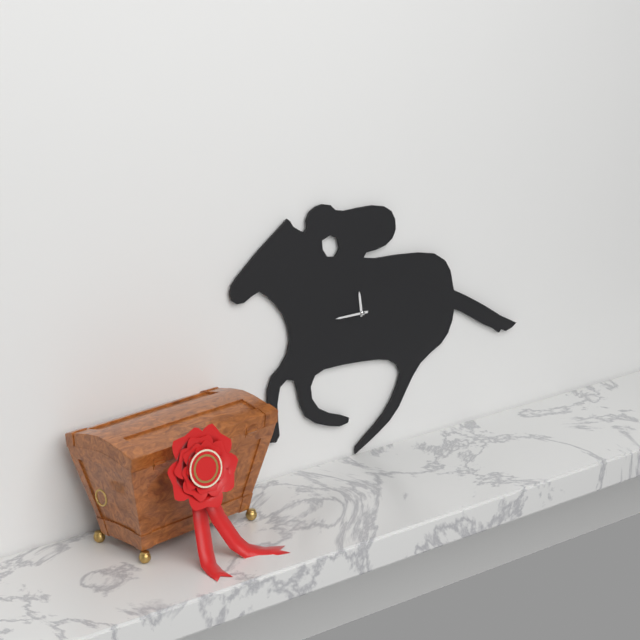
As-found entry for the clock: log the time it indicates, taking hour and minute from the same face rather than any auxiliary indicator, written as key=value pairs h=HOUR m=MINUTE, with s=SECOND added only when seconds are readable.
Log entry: h=11 m=45
